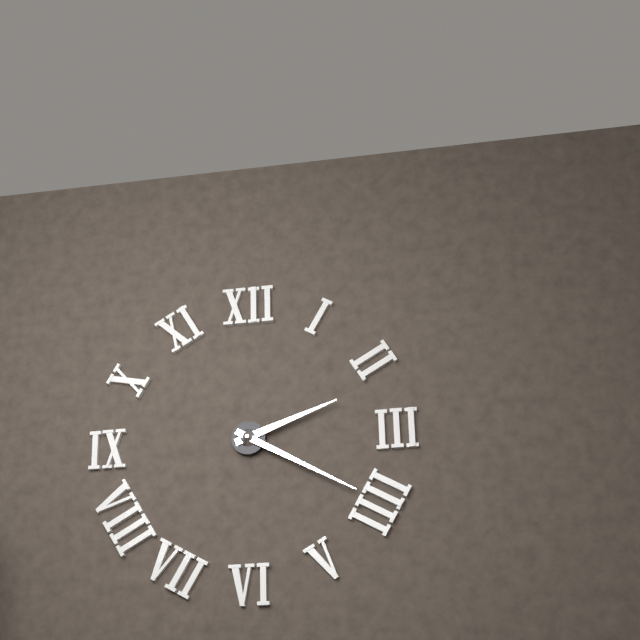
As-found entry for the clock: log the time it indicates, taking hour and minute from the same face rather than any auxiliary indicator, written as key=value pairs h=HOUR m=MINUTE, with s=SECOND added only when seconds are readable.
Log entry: h=2 m=20
